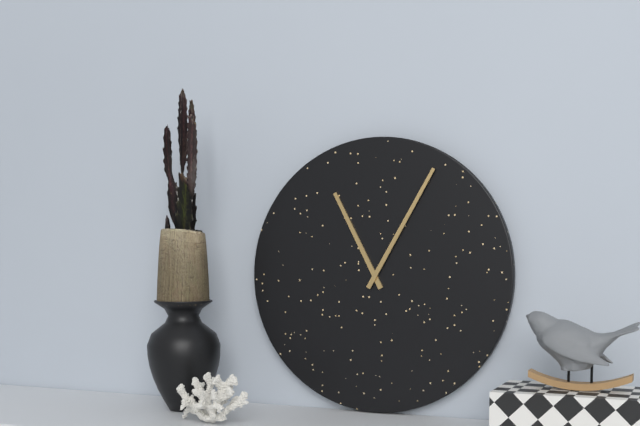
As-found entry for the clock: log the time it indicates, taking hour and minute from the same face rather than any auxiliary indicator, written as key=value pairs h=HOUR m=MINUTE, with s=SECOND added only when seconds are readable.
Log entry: h=11 m=5
